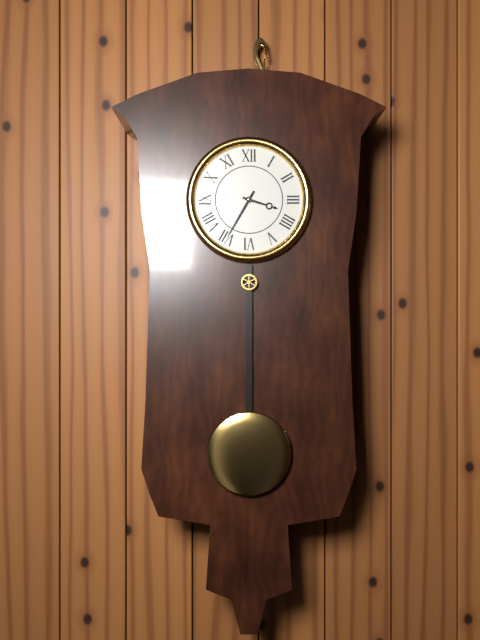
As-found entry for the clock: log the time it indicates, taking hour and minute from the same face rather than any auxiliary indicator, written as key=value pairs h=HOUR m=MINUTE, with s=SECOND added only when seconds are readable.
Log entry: h=3 m=35
